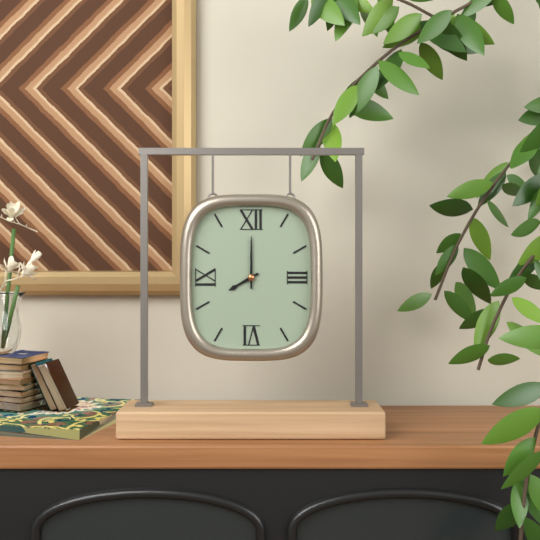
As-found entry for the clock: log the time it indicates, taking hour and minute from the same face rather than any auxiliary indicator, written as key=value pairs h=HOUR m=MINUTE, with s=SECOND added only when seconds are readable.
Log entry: h=8 m=0
